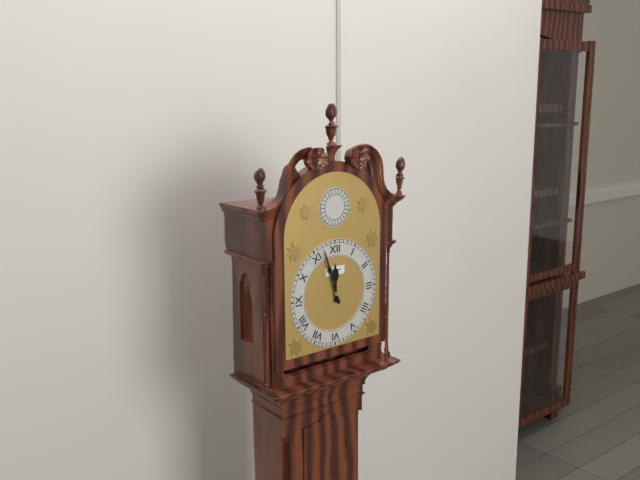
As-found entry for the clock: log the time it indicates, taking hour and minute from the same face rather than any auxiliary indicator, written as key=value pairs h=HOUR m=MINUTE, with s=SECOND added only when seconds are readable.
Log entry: h=11 m=57
